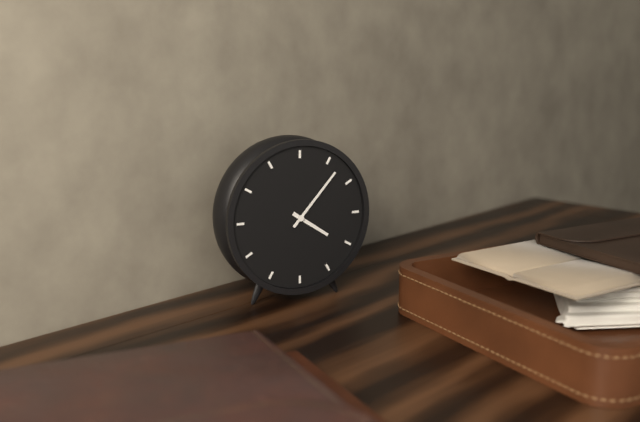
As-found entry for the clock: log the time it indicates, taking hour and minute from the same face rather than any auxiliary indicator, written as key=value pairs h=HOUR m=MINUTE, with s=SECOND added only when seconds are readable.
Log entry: h=4 m=7
